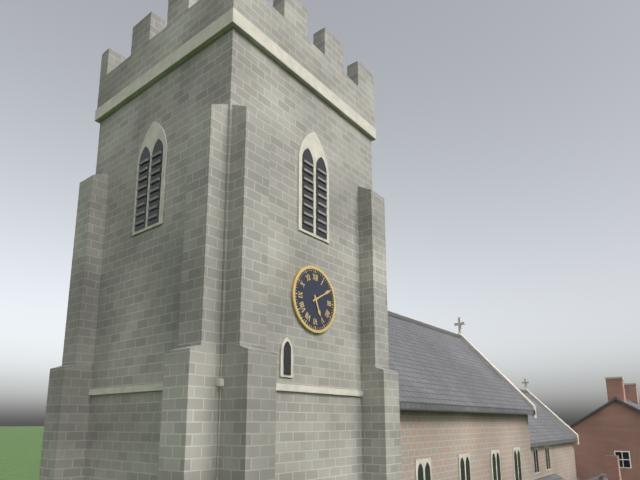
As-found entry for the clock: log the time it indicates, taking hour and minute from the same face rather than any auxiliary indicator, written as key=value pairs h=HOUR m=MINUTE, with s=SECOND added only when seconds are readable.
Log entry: h=5 m=10
